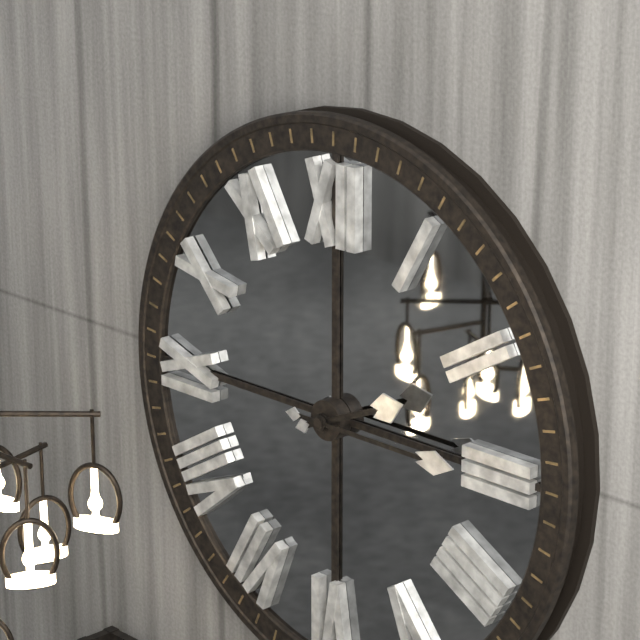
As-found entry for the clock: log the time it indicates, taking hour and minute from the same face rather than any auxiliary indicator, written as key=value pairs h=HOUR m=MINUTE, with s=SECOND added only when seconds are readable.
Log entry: h=2 m=15
